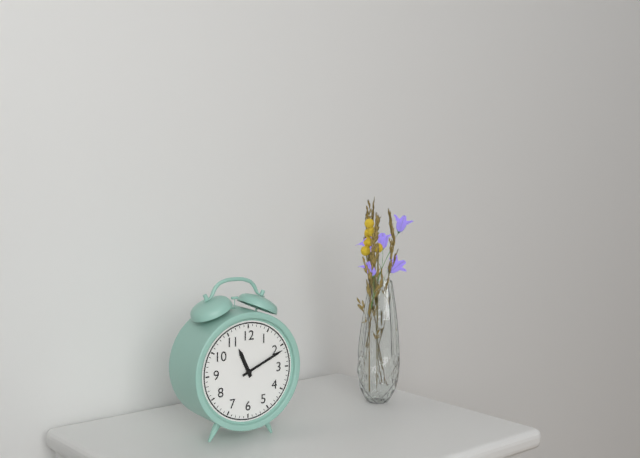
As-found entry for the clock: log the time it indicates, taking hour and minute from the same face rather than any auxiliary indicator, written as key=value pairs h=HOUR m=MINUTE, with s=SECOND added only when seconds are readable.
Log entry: h=11 m=11
